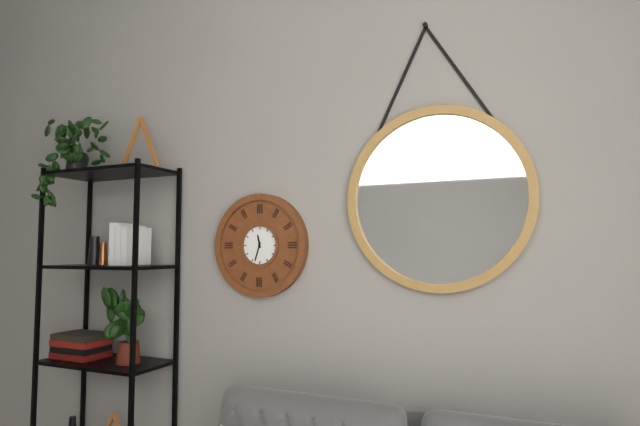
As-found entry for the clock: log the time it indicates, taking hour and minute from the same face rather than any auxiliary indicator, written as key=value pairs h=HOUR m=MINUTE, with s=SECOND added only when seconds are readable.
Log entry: h=11 m=33
